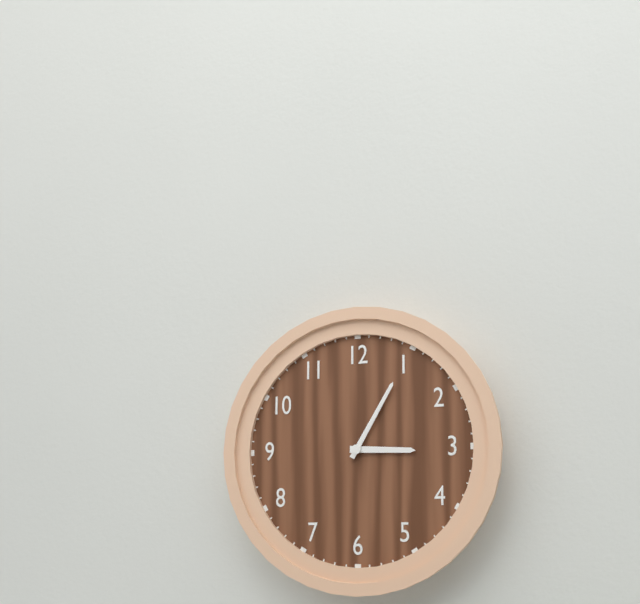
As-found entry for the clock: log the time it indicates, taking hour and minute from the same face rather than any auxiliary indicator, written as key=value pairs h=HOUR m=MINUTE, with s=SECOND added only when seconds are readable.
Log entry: h=3 m=5
